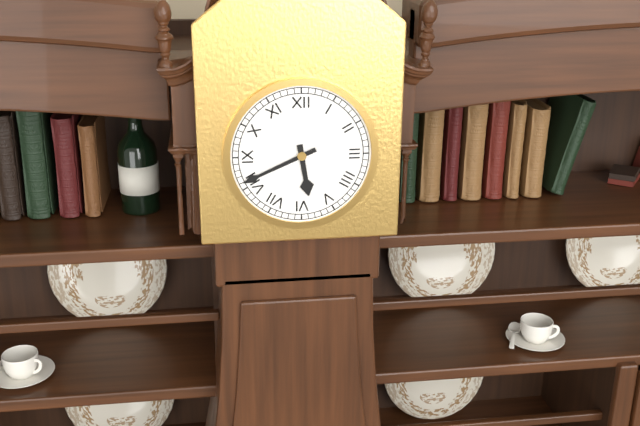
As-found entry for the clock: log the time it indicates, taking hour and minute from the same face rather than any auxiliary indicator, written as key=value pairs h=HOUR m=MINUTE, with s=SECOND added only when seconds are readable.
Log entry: h=5 m=41
